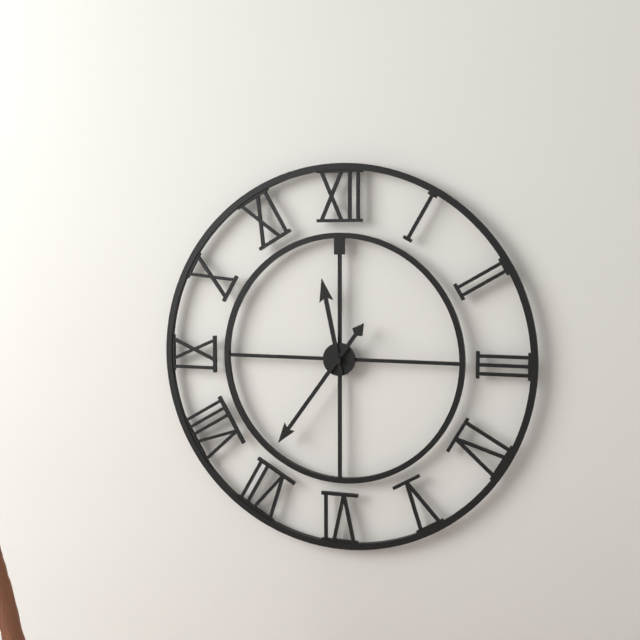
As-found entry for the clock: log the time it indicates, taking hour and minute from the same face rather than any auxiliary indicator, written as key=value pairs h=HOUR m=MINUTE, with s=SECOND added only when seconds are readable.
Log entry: h=11 m=36
